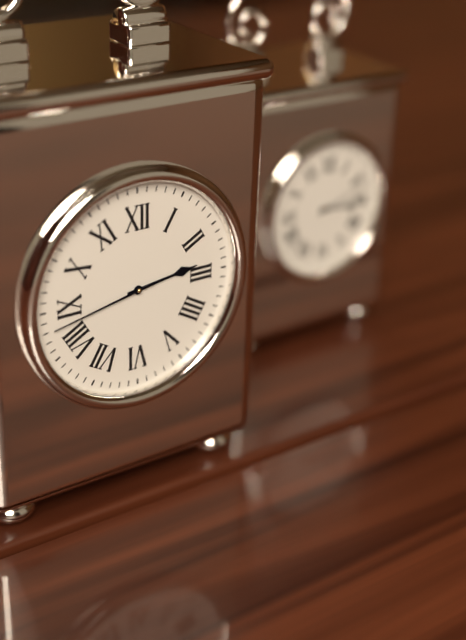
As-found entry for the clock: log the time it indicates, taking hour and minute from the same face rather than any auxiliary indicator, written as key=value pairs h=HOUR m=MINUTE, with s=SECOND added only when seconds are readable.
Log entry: h=2 m=43
